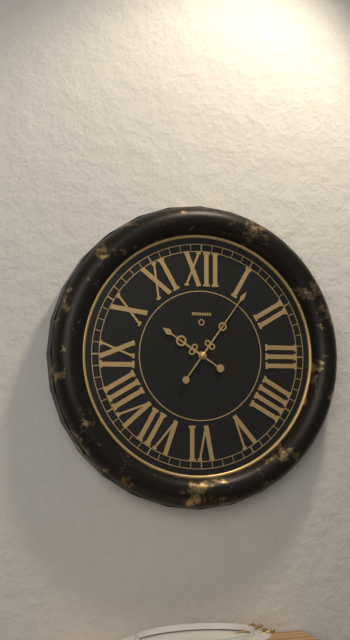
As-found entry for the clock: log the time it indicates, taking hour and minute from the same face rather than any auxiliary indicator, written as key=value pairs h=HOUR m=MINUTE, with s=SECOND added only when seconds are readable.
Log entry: h=10 m=6
